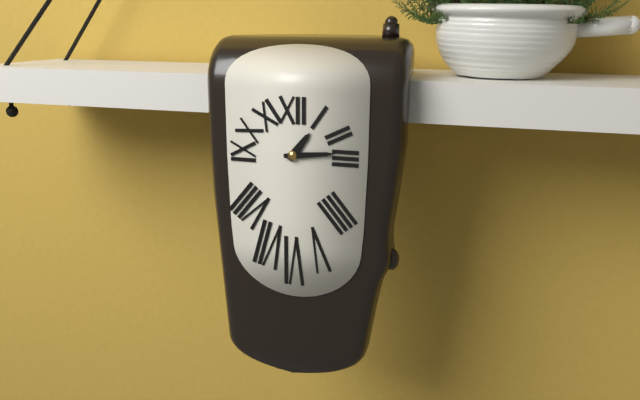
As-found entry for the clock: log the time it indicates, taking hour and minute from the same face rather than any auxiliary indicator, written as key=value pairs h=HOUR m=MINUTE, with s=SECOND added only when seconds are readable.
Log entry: h=1 m=14
